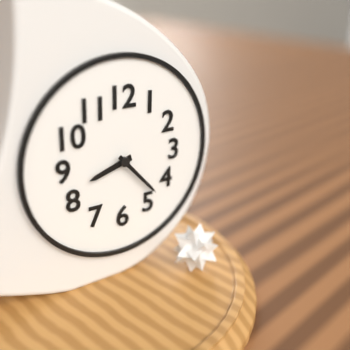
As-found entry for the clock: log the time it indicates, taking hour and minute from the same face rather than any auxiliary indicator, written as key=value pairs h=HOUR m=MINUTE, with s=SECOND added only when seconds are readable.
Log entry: h=8 m=23
